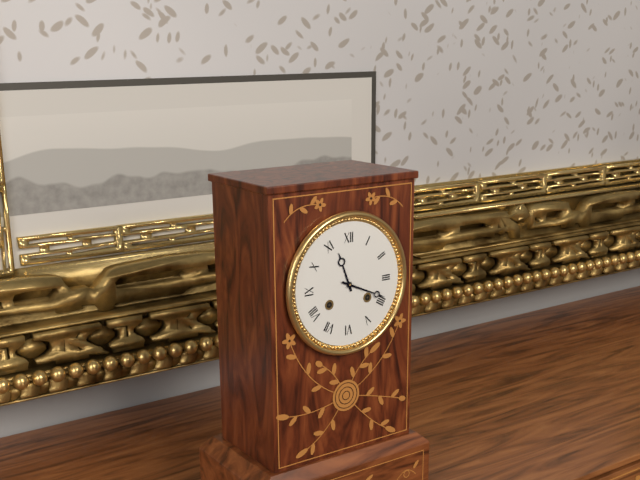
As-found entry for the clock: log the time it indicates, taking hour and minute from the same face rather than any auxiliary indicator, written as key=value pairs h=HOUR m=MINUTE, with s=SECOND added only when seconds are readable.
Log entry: h=11 m=19
